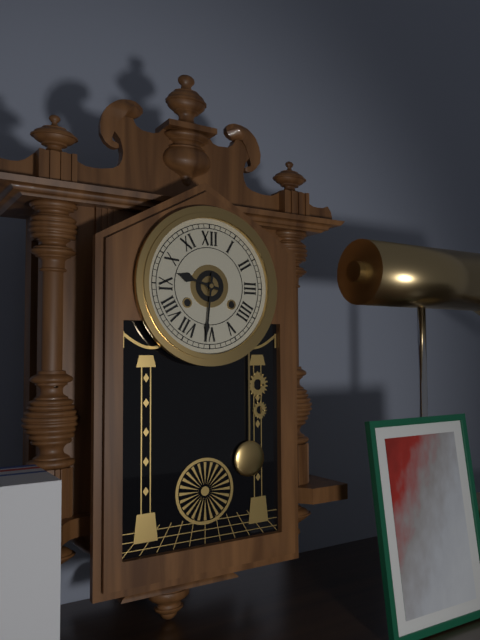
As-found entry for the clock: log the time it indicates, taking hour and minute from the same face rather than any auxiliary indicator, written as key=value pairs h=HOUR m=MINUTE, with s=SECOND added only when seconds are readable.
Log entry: h=9 m=31
